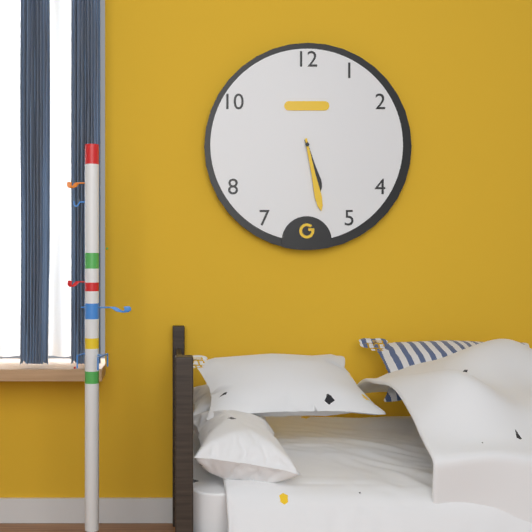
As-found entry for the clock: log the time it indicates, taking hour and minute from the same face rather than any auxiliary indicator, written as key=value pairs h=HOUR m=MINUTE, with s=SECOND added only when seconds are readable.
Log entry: h=5 m=28
